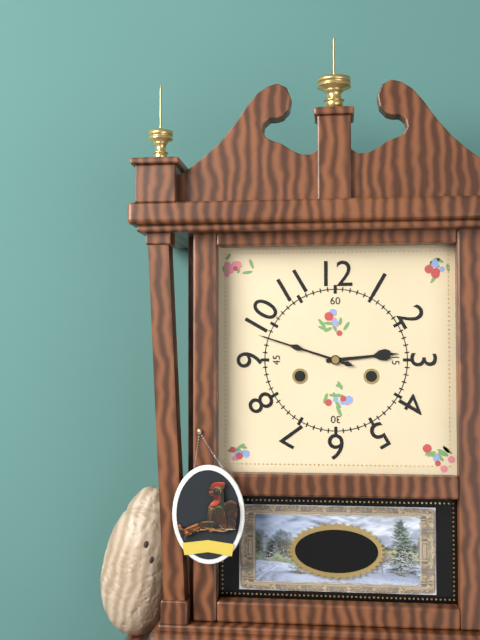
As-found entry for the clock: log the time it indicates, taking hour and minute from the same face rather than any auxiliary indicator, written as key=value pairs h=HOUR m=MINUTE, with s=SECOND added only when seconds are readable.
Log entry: h=2 m=48
